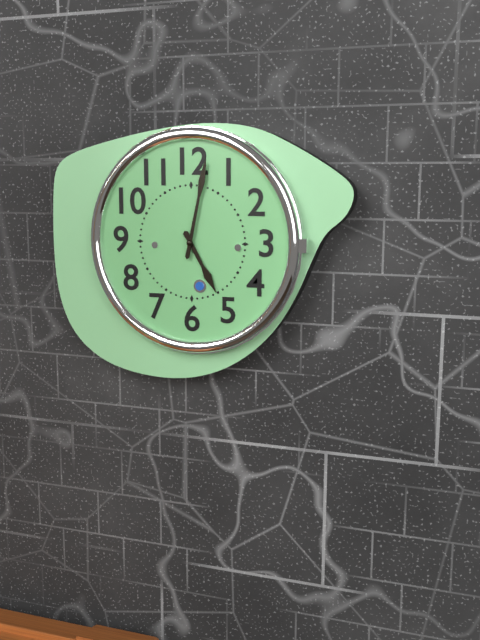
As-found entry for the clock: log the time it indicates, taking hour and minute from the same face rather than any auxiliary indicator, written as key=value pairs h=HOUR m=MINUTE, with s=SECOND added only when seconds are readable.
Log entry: h=5 m=2
